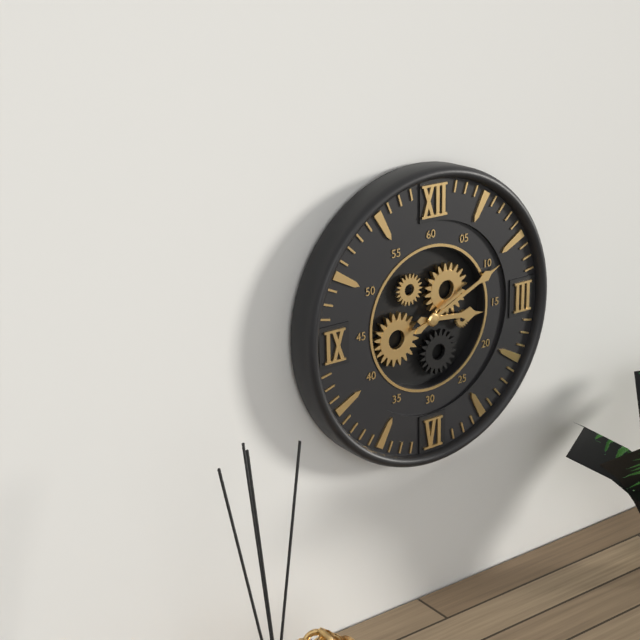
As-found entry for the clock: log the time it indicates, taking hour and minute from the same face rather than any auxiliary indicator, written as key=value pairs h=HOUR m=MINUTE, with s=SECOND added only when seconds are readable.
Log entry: h=3 m=11
